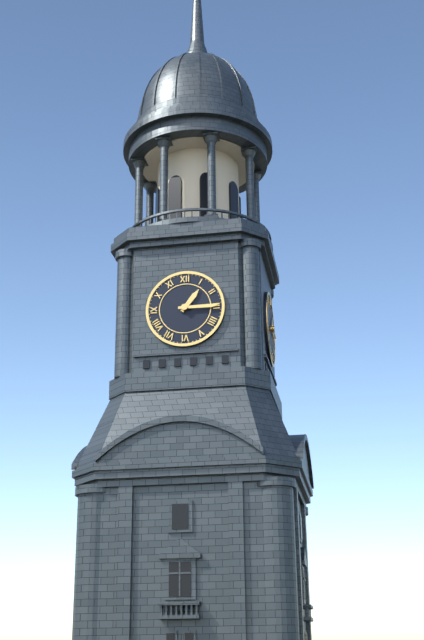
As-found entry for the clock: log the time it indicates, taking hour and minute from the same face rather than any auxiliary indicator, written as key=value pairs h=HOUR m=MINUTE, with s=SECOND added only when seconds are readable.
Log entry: h=1 m=15
